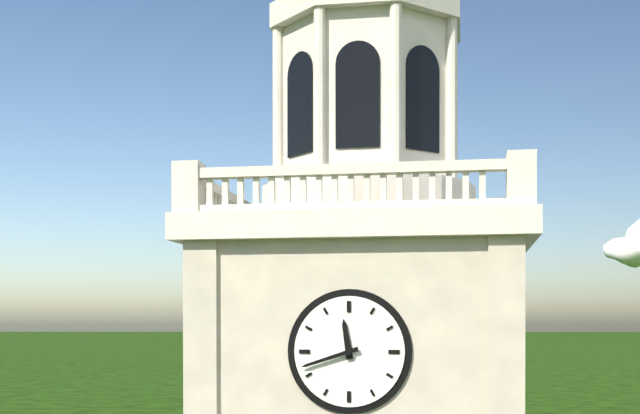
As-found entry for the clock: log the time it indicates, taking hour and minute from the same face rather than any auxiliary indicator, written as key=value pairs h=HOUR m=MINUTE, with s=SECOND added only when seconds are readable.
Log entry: h=11 m=42
